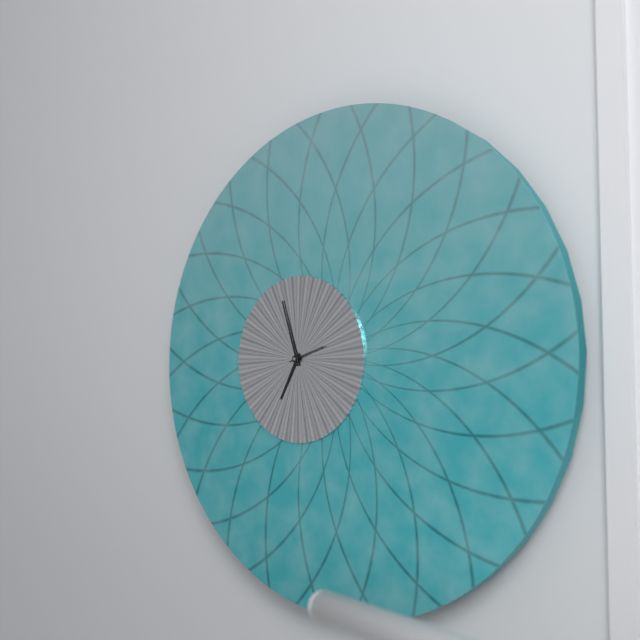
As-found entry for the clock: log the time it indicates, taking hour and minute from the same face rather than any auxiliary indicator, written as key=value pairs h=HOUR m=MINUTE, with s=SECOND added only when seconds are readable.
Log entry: h=6 m=57
